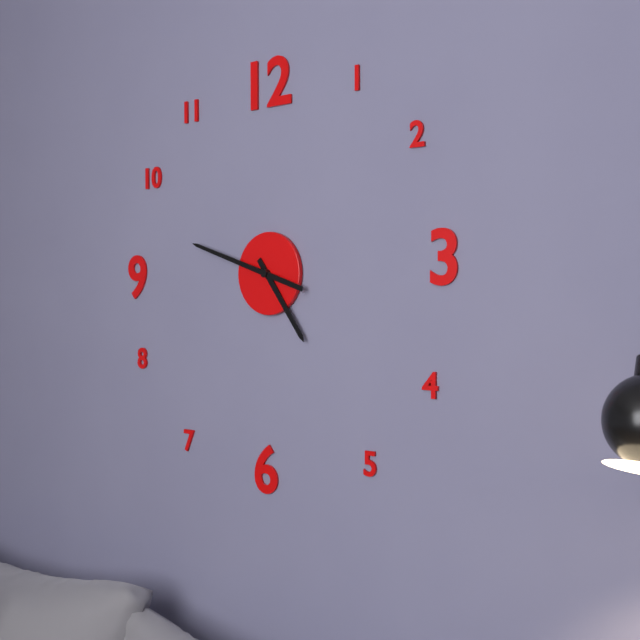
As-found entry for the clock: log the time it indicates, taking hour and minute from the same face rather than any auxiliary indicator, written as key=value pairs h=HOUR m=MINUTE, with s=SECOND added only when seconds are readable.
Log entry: h=4 m=48
